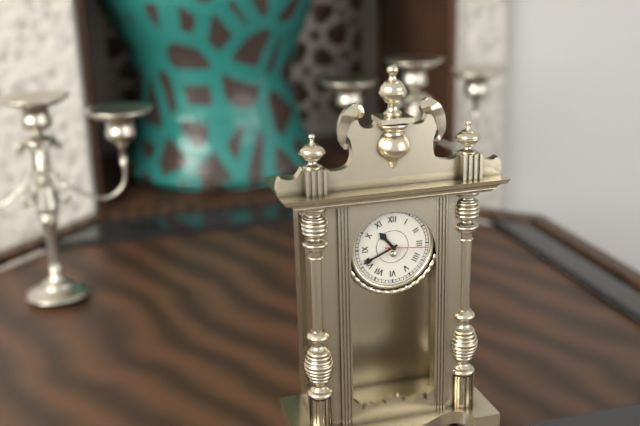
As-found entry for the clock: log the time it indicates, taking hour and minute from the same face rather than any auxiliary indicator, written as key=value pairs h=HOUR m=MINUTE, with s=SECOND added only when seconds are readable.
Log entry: h=10 m=41
